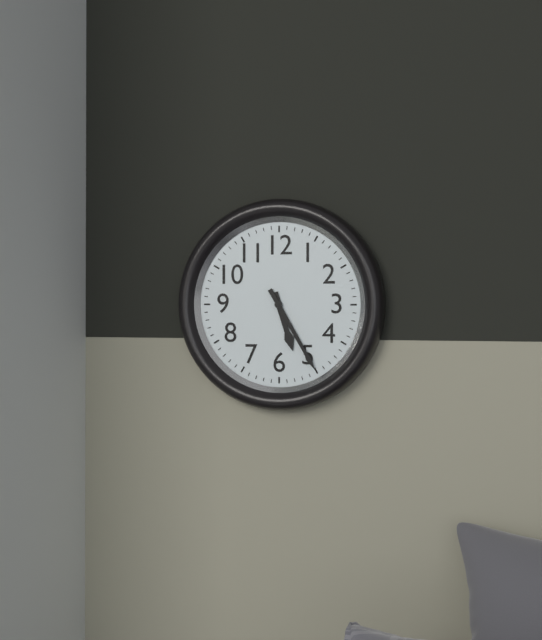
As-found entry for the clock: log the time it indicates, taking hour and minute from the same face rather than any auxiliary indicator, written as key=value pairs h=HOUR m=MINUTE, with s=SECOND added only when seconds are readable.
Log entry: h=5 m=25
